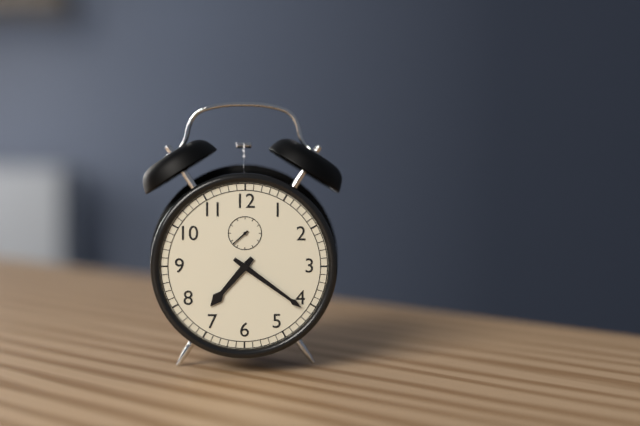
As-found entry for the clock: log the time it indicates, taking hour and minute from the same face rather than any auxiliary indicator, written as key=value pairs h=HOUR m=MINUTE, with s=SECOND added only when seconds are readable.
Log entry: h=7 m=21
